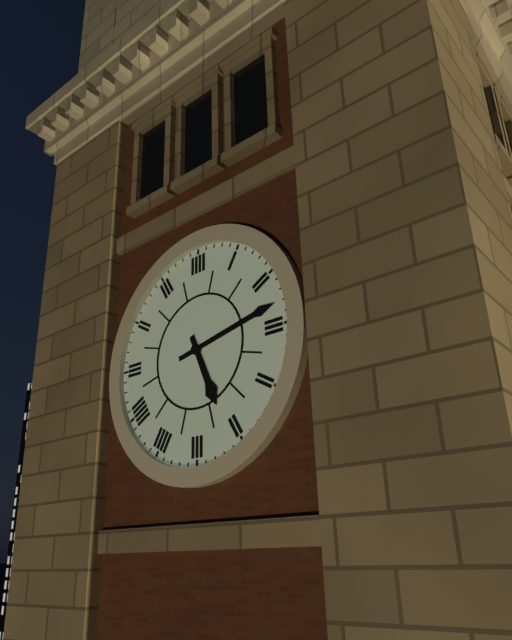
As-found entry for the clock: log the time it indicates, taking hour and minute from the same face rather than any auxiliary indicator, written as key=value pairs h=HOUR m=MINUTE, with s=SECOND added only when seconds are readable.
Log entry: h=5 m=13
